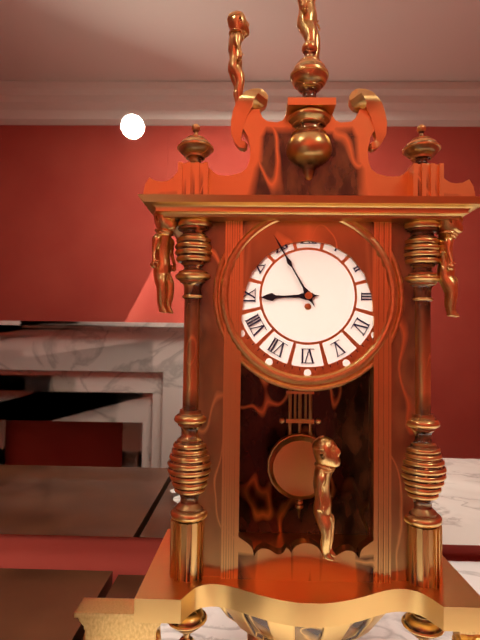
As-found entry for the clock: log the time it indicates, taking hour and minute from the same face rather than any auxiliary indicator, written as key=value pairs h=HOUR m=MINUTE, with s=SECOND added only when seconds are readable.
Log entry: h=8 m=55
